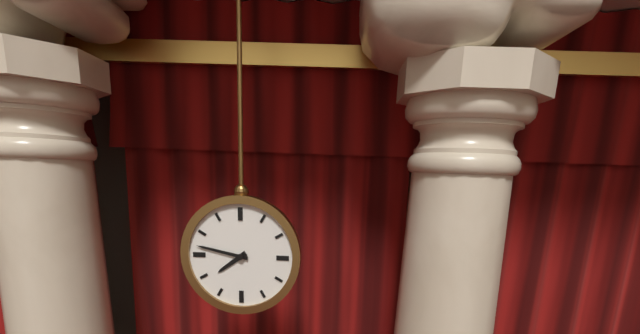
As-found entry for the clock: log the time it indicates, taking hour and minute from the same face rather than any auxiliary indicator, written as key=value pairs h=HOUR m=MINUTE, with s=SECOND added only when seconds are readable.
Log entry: h=7 m=47
